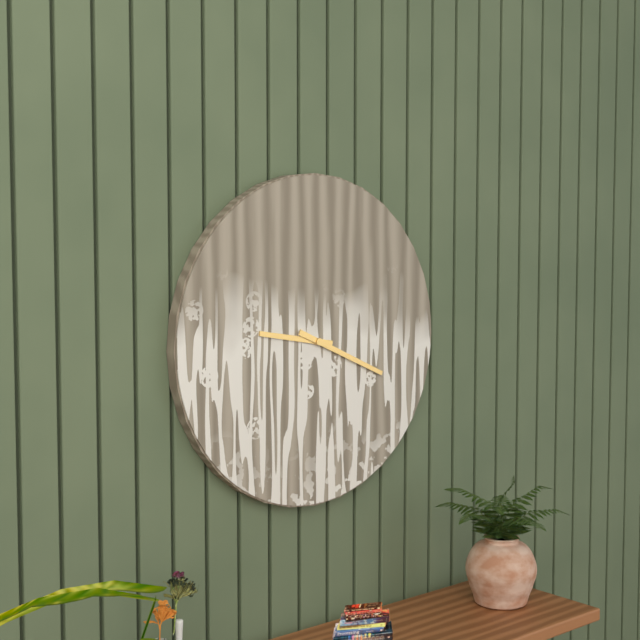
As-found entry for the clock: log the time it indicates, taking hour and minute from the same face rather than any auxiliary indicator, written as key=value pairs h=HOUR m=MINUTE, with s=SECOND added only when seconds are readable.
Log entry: h=9 m=19
